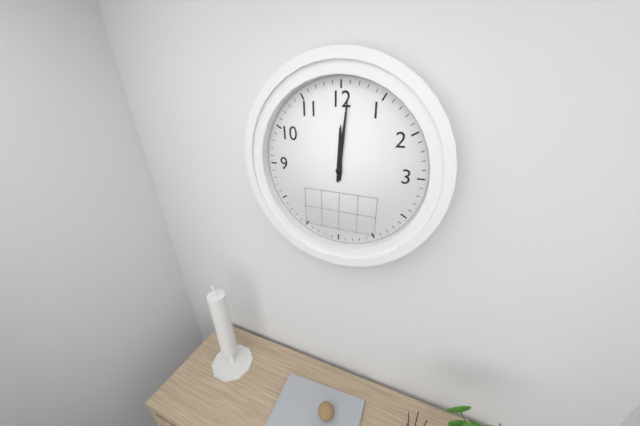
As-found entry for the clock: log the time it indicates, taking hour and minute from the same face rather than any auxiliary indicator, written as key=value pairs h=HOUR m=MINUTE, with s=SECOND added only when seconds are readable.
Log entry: h=12 m=1
